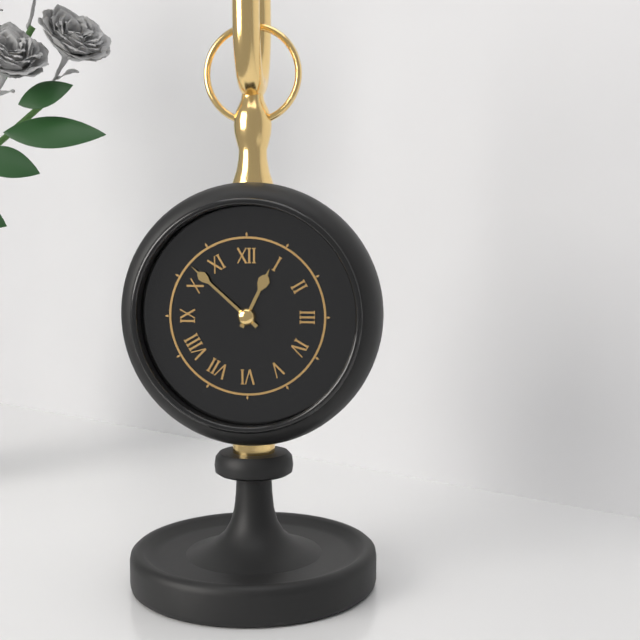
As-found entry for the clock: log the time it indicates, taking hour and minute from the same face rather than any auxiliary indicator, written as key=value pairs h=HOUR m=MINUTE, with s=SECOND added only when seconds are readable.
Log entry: h=12 m=52
